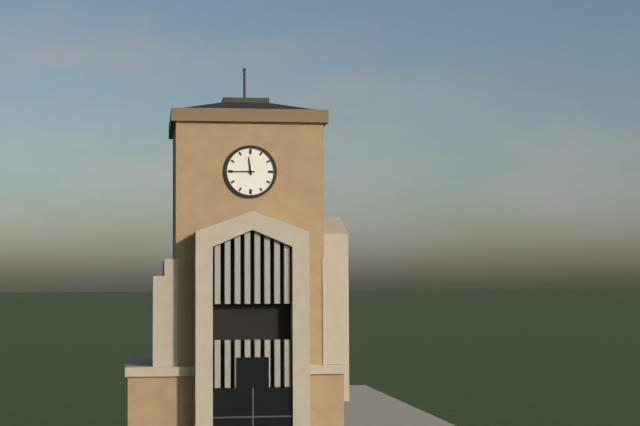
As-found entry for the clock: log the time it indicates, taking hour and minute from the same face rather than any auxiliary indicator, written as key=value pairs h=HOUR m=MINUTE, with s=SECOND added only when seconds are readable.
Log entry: h=11 m=45
